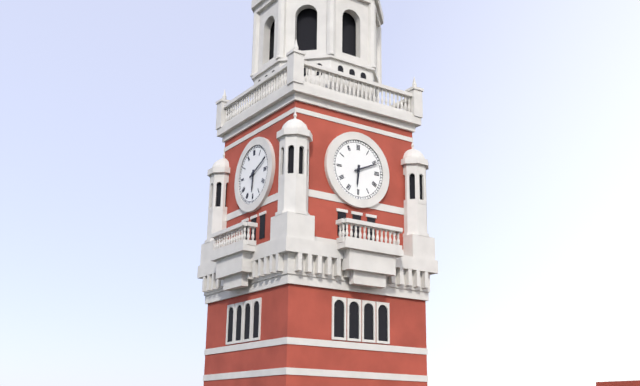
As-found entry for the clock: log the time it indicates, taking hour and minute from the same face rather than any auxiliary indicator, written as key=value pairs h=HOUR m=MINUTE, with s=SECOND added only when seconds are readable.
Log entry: h=6 m=11
